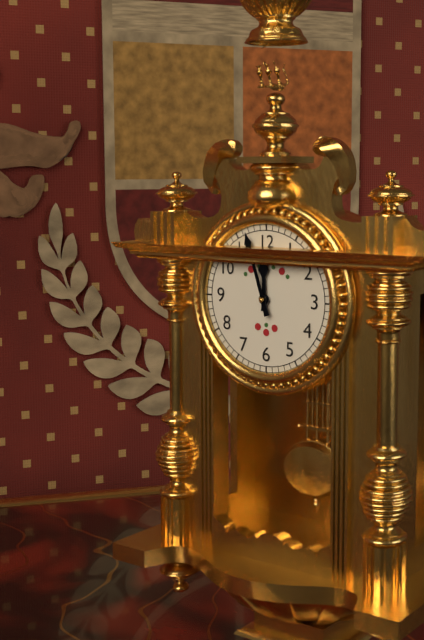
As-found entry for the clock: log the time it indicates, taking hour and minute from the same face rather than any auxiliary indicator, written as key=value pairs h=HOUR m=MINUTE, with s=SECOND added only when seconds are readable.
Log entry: h=11 m=57
